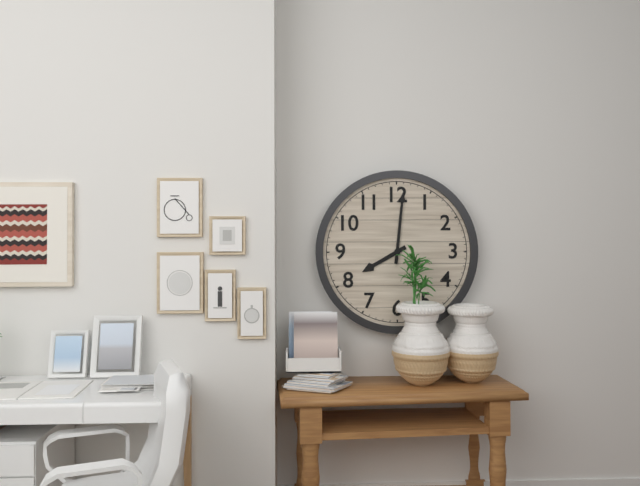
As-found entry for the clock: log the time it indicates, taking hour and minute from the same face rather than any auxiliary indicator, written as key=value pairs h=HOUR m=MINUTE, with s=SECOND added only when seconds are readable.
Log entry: h=8 m=1
